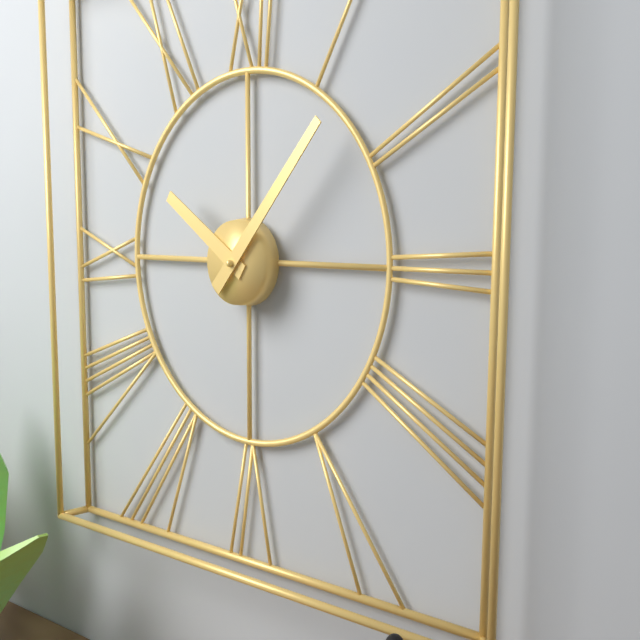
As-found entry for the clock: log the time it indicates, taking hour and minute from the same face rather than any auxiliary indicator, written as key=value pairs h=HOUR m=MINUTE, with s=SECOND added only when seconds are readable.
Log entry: h=10 m=7
